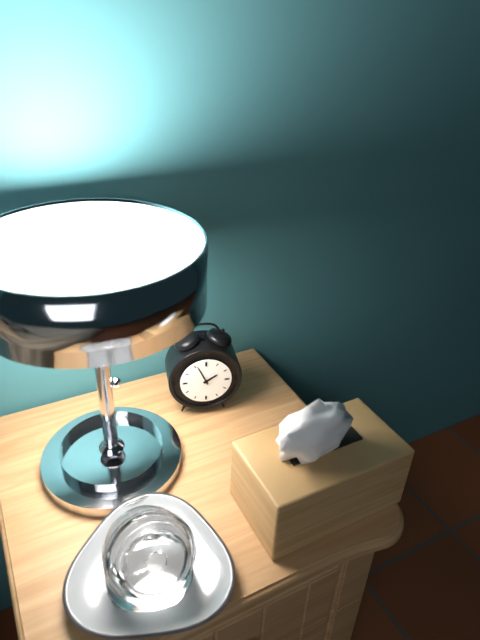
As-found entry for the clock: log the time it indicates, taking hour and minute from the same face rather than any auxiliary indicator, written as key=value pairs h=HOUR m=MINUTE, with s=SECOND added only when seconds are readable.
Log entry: h=1 m=56
